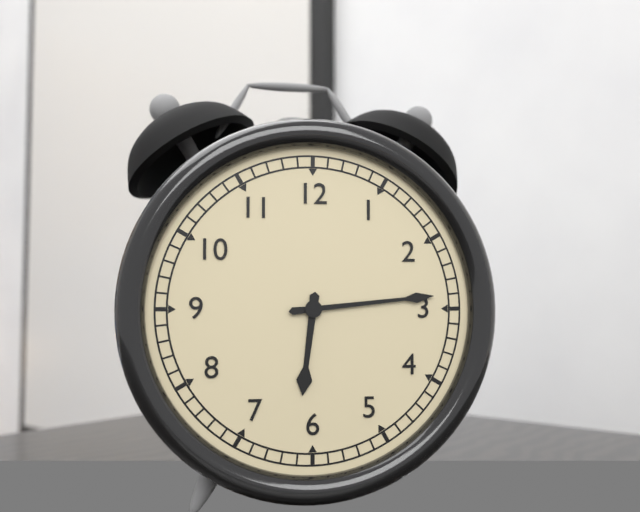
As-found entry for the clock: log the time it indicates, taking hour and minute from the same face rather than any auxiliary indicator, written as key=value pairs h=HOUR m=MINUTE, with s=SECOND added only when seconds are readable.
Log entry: h=6 m=14
